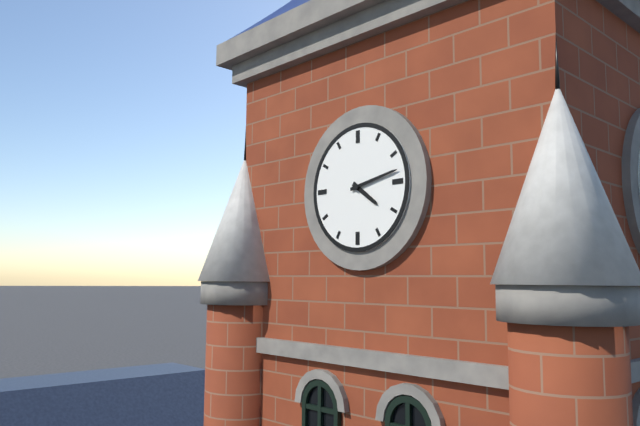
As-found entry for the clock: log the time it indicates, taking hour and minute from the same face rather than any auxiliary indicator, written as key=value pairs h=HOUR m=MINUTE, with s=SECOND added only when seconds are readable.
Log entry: h=4 m=13
